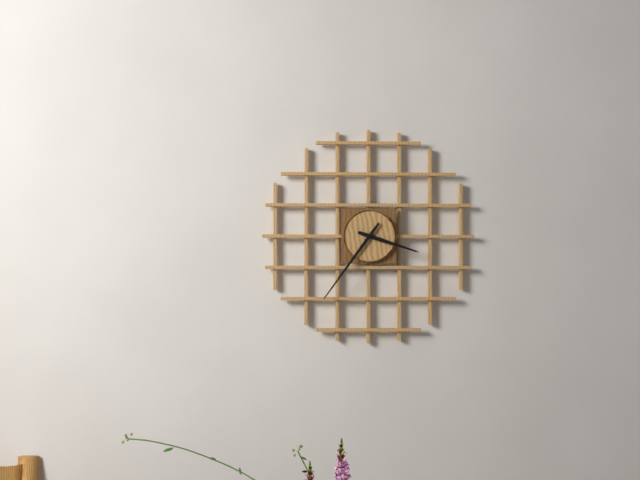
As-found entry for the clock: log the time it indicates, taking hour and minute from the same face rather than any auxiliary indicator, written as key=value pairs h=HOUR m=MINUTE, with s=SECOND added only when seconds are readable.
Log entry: h=3 m=36
